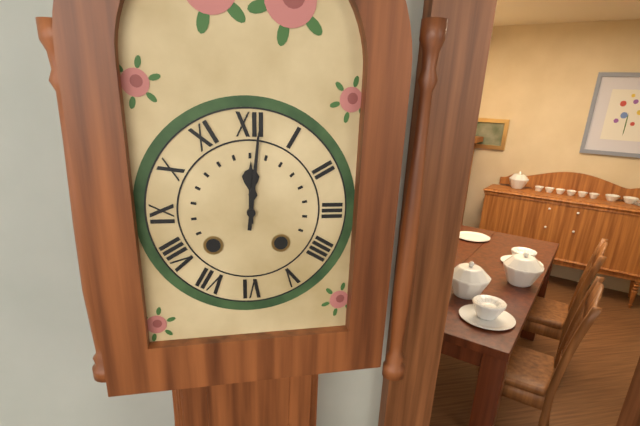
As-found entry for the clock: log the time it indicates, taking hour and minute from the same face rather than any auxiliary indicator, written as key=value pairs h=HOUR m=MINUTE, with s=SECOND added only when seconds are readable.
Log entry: h=12 m=1
